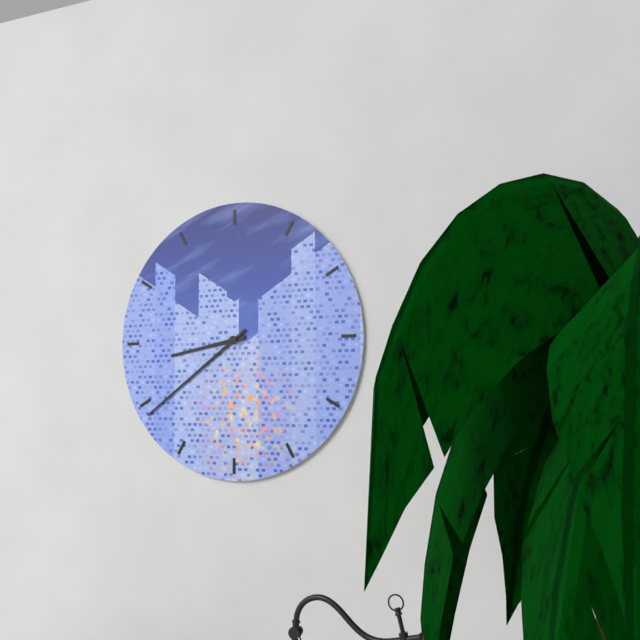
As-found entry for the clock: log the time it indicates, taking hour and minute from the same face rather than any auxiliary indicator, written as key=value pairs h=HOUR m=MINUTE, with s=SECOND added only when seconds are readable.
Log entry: h=8 m=39
